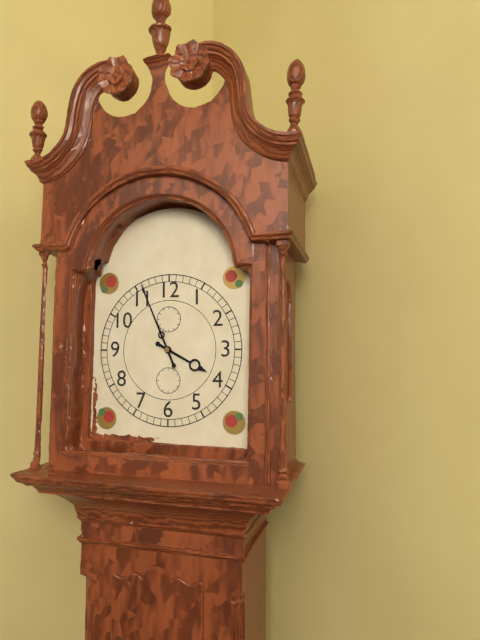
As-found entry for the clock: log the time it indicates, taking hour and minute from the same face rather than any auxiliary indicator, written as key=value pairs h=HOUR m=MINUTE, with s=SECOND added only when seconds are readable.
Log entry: h=3 m=56
